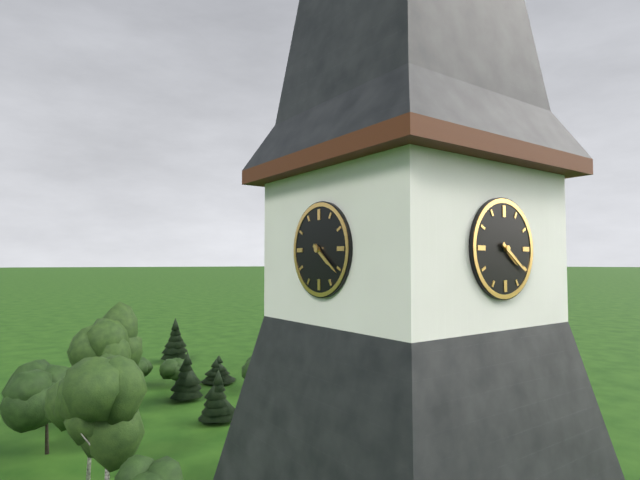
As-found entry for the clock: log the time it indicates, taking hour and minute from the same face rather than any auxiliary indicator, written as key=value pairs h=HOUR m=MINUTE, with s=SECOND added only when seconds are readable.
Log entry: h=4 m=21
